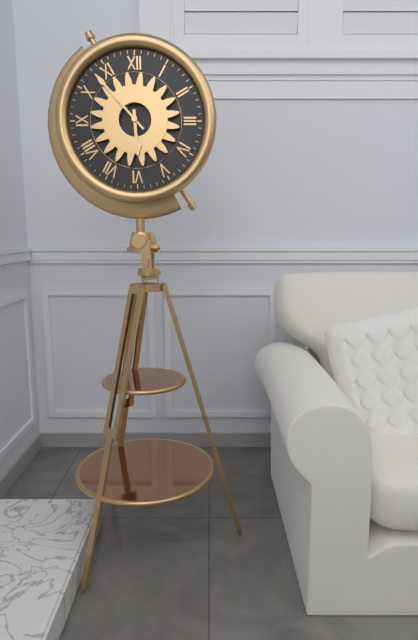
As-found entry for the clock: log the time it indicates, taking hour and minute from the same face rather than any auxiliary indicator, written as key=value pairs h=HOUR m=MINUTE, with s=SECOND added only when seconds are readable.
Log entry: h=5 m=53
